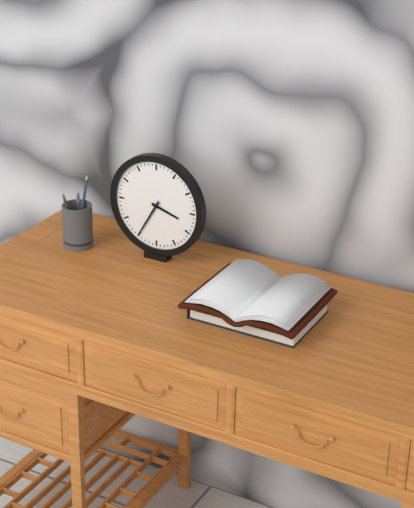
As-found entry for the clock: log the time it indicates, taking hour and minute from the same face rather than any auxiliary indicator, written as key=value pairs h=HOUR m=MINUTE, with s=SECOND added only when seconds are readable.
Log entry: h=3 m=35
